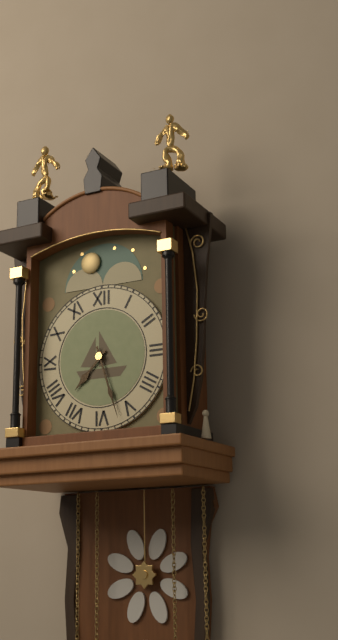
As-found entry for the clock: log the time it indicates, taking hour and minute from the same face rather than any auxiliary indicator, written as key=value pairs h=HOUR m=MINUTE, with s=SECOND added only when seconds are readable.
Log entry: h=7 m=27
